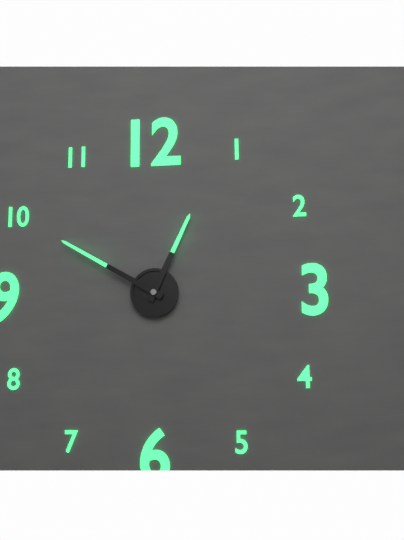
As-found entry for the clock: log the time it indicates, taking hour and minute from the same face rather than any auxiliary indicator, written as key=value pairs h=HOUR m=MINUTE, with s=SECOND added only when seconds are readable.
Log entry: h=12 m=50
